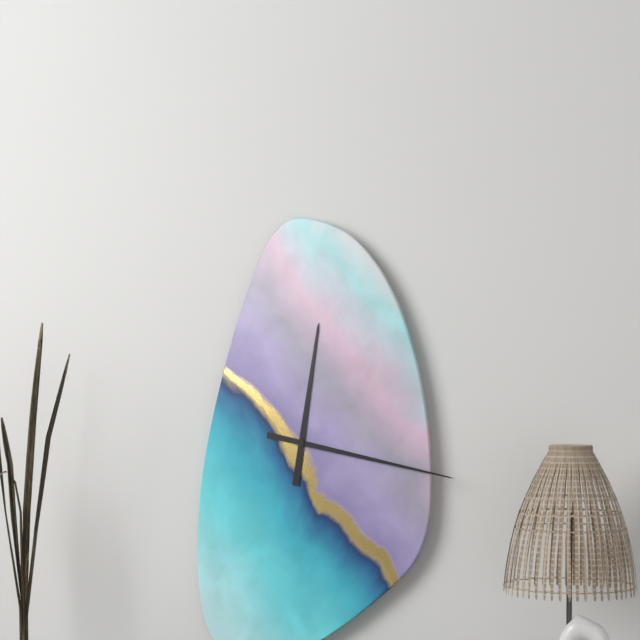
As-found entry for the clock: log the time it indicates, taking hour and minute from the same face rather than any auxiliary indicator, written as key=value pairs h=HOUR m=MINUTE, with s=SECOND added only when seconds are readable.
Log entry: h=12 m=17
